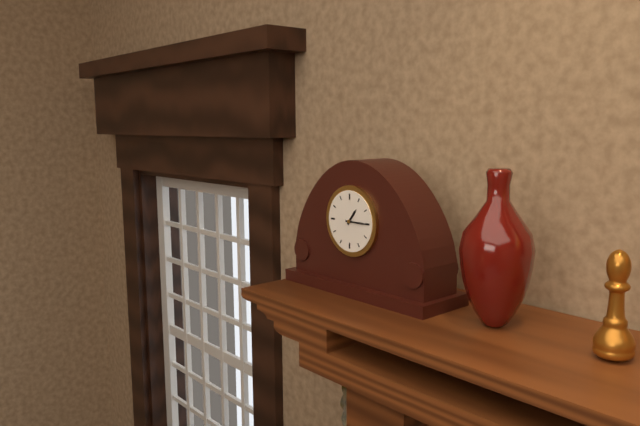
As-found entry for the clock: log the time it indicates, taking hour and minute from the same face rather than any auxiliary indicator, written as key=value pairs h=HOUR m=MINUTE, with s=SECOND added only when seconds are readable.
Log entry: h=1 m=15
